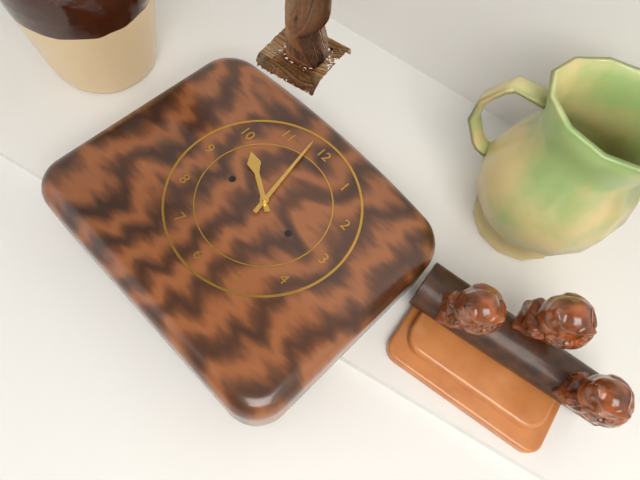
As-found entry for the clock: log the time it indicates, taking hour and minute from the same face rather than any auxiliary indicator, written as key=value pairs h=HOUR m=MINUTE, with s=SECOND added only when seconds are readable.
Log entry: h=9 m=58
